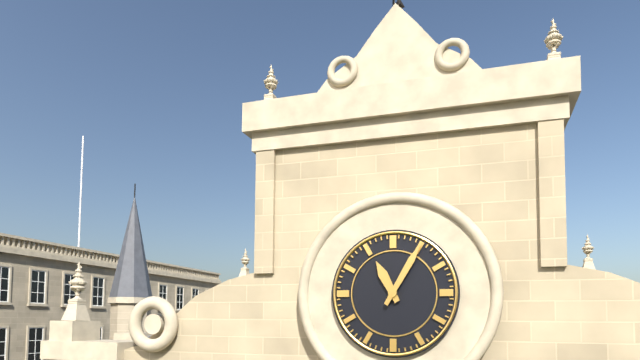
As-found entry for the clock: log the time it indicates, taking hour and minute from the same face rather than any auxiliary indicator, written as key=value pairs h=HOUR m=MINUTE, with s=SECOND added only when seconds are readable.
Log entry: h=11 m=5
